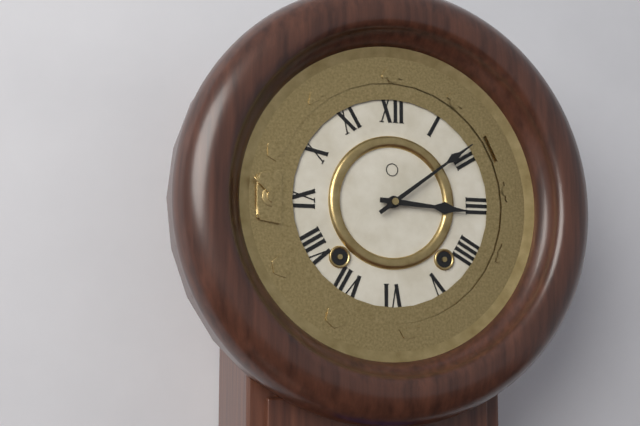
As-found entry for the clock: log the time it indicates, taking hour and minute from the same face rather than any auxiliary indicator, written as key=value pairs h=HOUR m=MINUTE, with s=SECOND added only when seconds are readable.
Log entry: h=3 m=9
